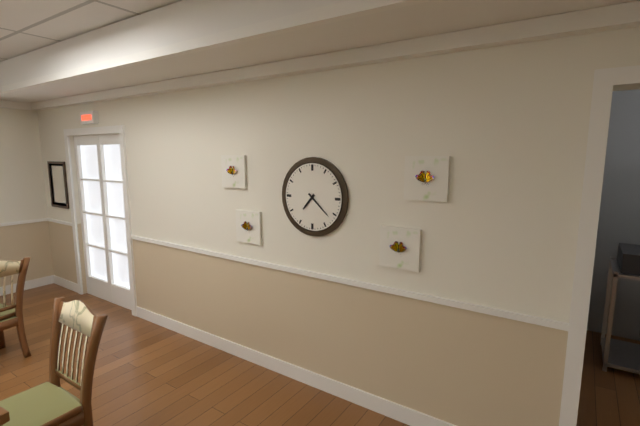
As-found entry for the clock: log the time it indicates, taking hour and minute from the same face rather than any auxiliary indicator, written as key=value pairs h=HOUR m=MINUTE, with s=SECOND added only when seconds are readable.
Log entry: h=7 m=22
